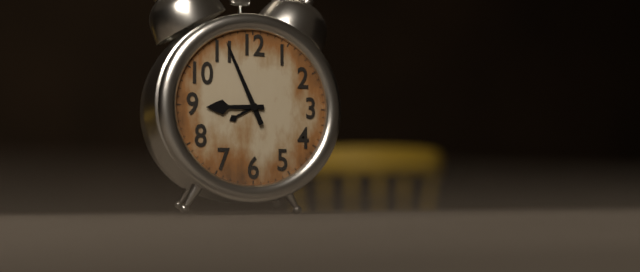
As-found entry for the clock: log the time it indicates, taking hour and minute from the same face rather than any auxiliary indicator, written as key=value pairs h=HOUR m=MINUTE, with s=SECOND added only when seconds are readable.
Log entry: h=8 m=56
